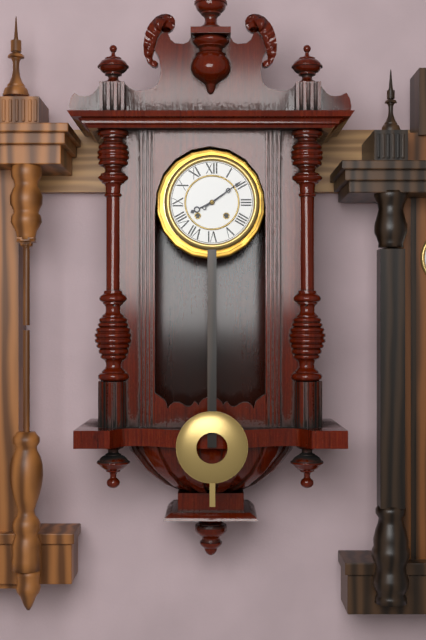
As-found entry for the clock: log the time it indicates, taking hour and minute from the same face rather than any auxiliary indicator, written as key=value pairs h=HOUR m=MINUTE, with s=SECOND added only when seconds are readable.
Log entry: h=8 m=9
